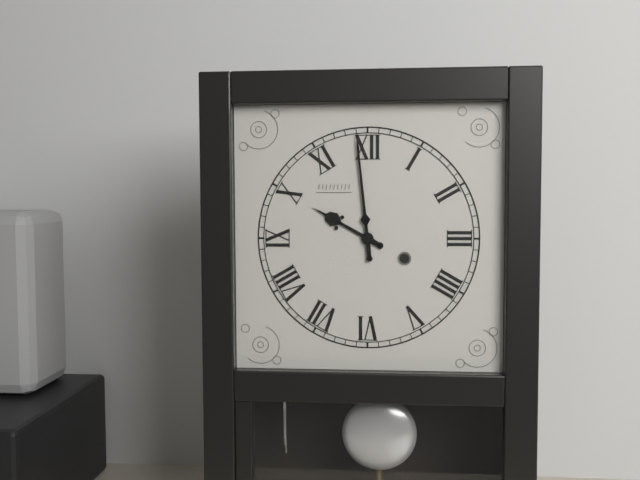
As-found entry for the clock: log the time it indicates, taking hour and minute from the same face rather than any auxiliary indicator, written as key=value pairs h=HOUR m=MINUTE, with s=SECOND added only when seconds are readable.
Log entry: h=9 m=59
